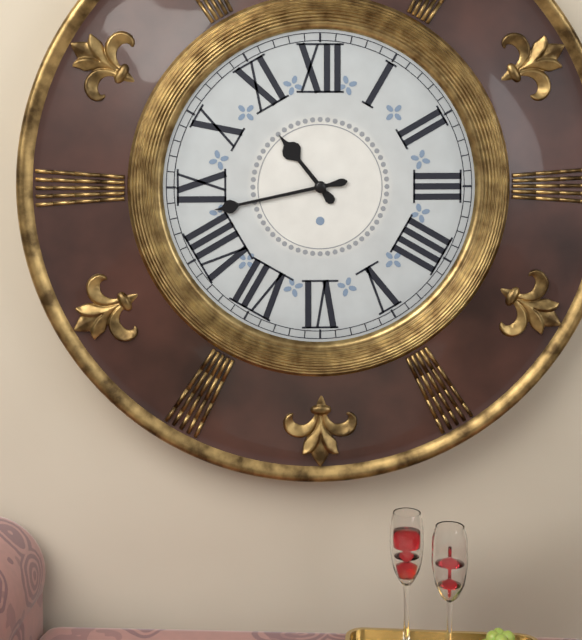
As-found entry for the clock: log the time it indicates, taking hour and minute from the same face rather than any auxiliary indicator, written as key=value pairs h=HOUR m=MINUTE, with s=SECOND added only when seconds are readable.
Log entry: h=10 m=43
